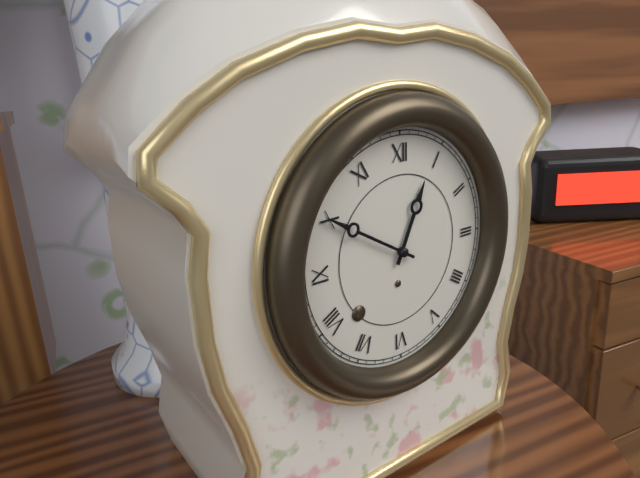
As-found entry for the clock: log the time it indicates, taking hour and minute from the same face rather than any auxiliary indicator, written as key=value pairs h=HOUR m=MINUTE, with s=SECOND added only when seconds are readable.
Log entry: h=12 m=50
